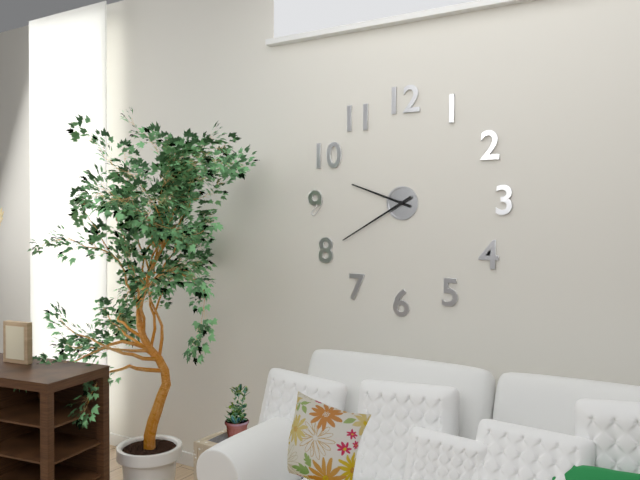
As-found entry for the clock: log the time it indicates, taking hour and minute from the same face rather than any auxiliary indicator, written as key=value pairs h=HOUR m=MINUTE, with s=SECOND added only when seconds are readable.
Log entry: h=9 m=40
